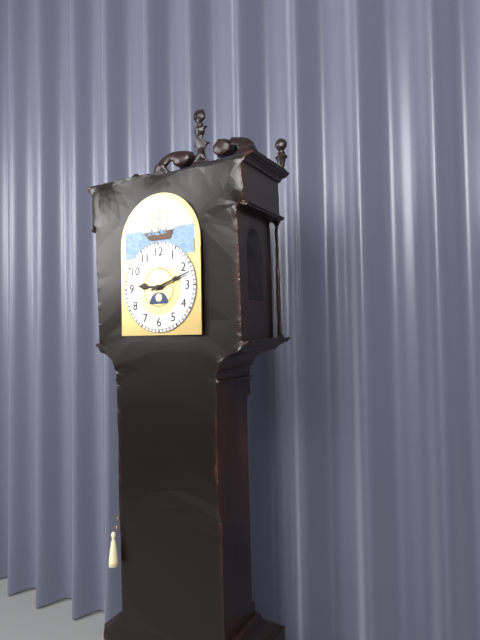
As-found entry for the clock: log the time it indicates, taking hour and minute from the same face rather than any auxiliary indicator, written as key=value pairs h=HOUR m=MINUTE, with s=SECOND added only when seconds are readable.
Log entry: h=9 m=12
